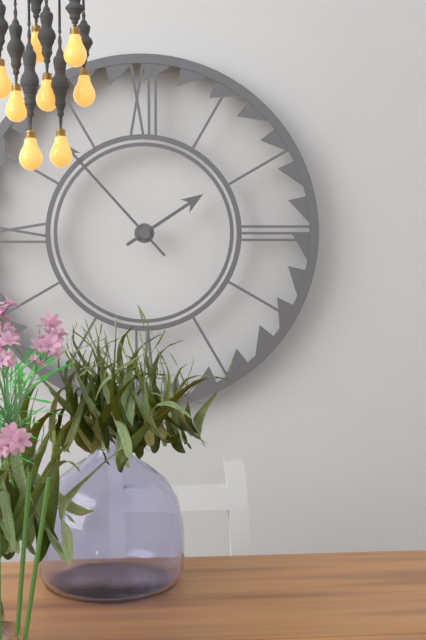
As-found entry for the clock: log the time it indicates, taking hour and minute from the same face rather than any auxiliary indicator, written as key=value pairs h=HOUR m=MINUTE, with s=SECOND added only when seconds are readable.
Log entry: h=1 m=53
